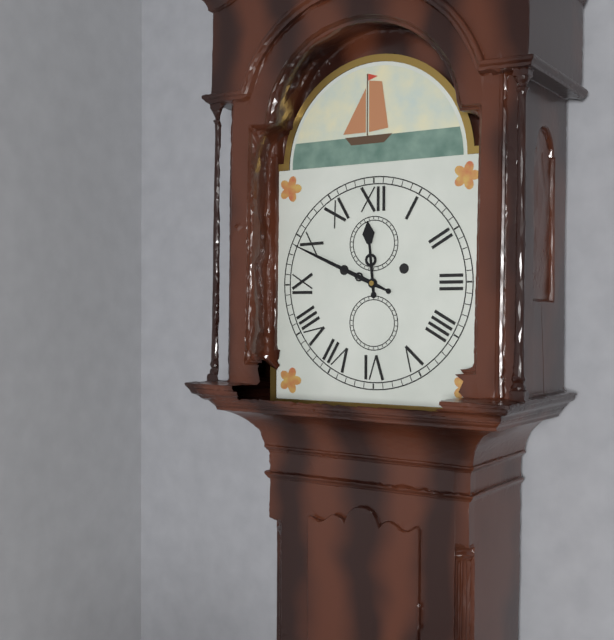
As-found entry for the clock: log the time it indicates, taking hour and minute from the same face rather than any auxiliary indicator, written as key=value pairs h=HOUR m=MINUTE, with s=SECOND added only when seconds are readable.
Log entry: h=11 m=49
